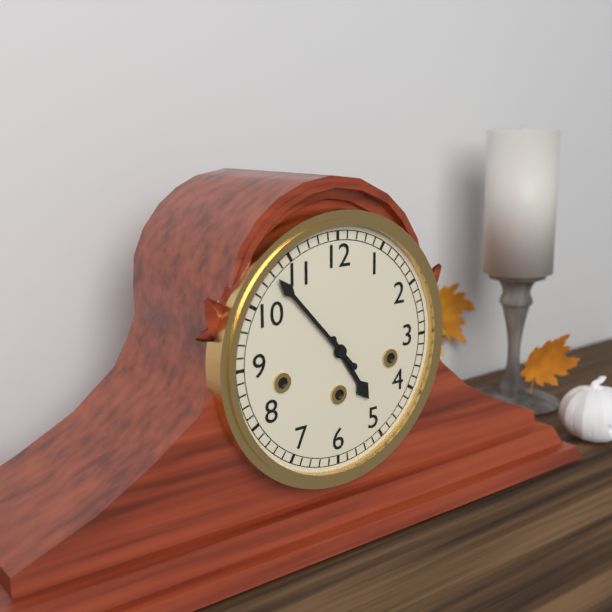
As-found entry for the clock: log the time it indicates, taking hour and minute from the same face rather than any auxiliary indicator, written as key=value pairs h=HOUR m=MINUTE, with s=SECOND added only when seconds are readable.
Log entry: h=4 m=53
